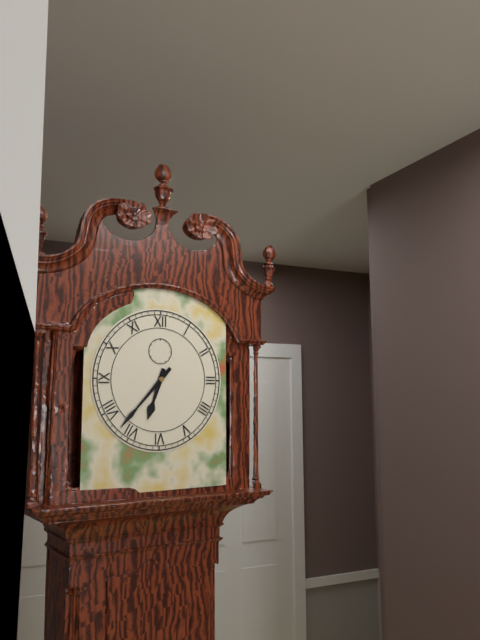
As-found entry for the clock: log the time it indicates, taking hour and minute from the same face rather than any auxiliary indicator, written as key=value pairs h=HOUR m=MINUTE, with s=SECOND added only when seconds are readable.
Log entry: h=6 m=37
